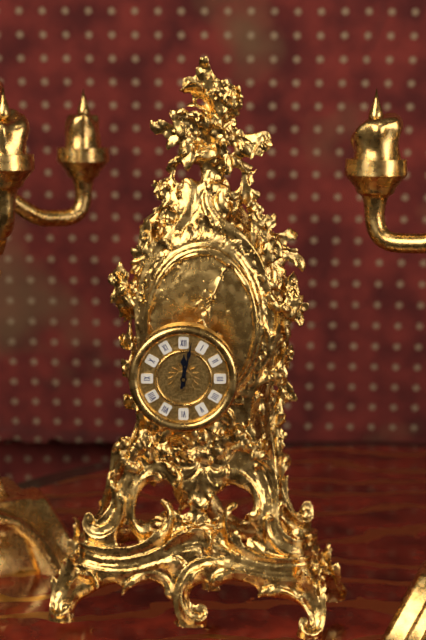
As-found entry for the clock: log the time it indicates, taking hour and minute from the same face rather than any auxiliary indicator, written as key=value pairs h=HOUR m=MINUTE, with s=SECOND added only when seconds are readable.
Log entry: h=12 m=2
